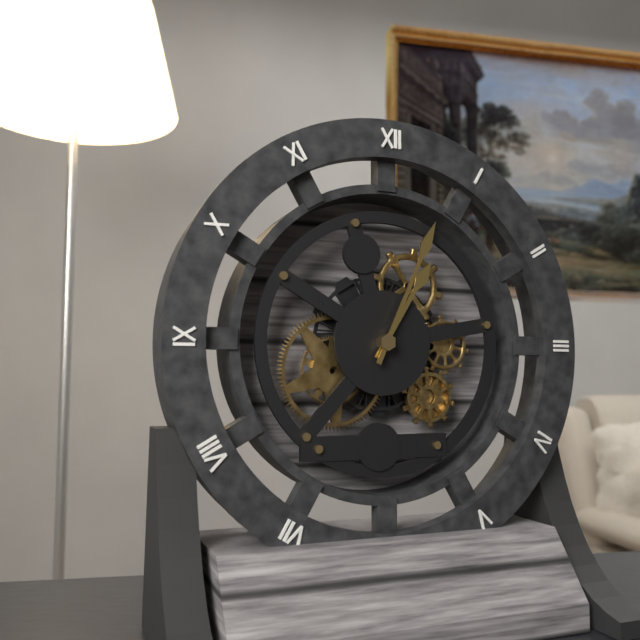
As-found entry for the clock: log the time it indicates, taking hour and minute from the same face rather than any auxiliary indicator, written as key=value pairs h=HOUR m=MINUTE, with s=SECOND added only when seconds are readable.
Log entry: h=1 m=4
